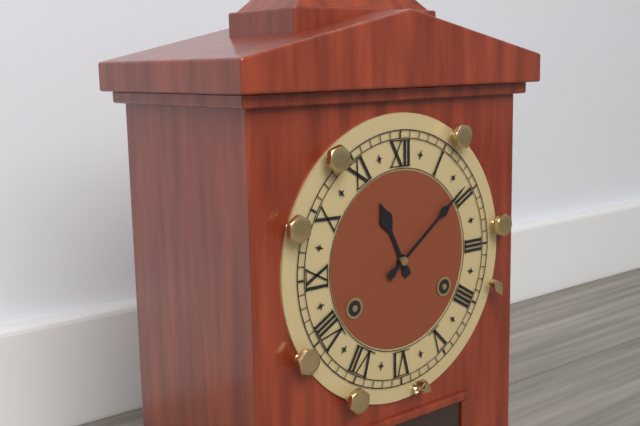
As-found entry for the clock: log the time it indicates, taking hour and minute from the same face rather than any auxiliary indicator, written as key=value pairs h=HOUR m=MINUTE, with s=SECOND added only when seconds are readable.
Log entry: h=11 m=9
